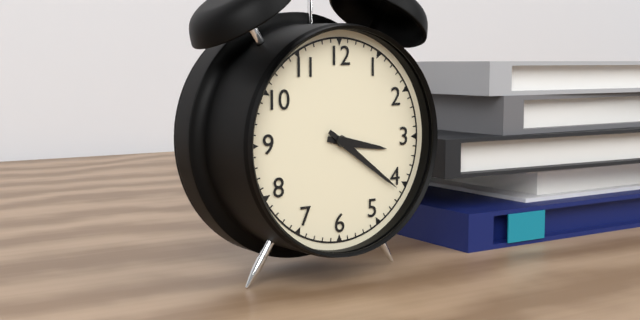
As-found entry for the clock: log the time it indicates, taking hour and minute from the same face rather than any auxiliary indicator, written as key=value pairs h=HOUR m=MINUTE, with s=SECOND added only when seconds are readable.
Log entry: h=3 m=21
